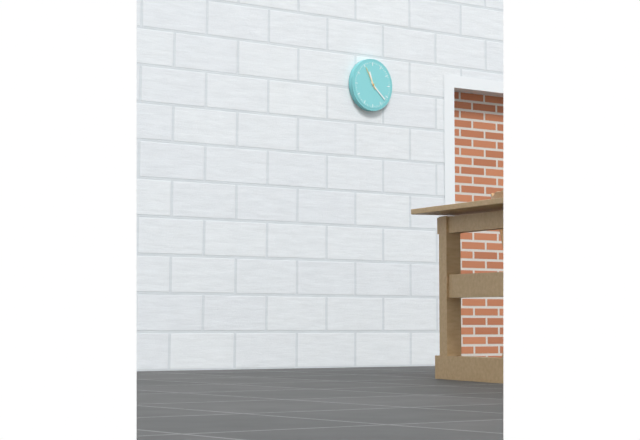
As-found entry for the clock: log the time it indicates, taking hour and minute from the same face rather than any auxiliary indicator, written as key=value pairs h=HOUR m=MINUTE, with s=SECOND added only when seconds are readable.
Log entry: h=11 m=22
